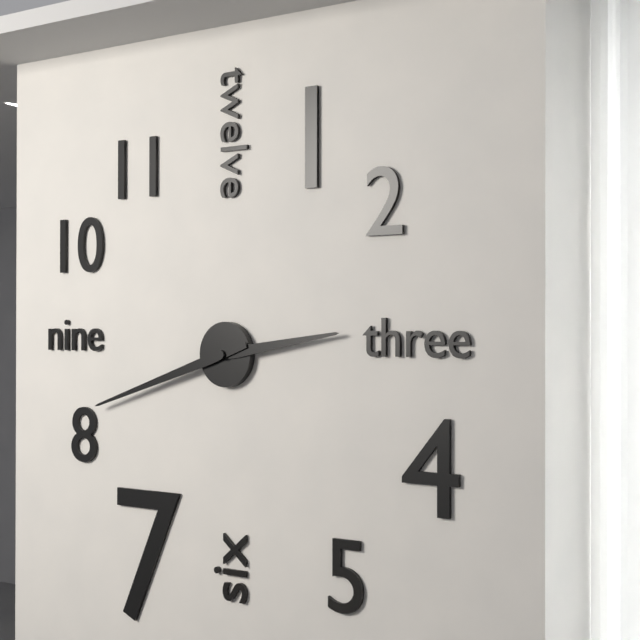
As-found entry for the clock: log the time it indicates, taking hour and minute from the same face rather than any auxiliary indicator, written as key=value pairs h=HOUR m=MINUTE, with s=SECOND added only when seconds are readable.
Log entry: h=2 m=42
